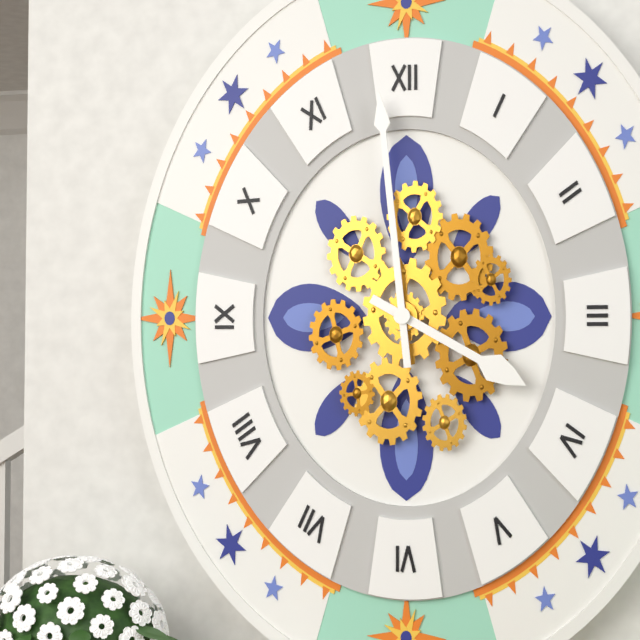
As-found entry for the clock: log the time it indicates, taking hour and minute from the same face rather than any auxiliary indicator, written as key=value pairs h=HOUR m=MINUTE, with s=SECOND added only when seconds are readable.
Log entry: h=3 m=59
